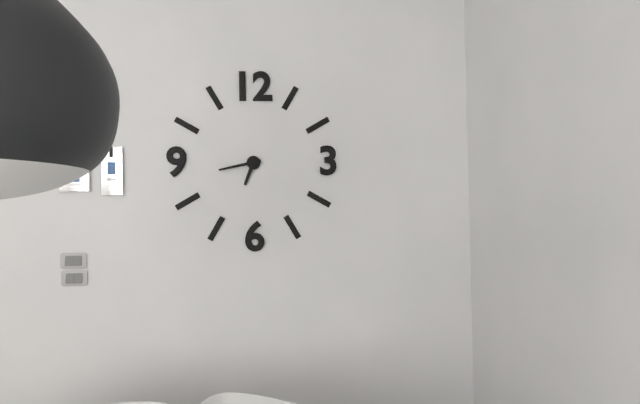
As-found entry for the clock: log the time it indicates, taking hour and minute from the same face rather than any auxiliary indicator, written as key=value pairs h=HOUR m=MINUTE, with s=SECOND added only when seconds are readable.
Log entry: h=6 m=43
